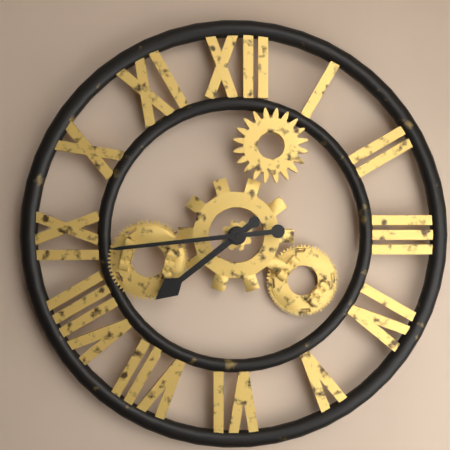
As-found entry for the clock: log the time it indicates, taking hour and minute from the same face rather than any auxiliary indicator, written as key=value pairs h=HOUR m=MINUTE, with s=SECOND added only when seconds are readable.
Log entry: h=7 m=44
